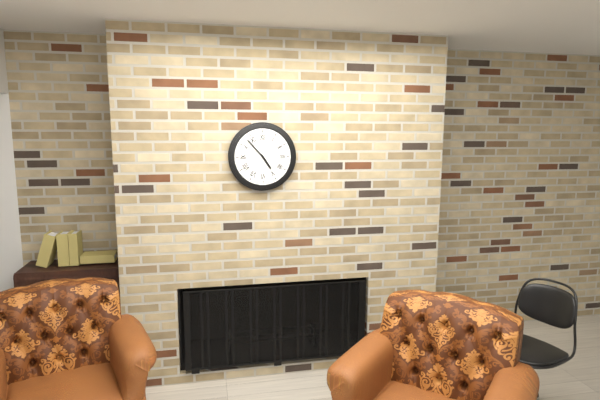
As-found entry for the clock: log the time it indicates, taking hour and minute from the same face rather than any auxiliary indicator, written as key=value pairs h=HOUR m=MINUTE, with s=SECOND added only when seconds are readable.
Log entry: h=4 m=53
